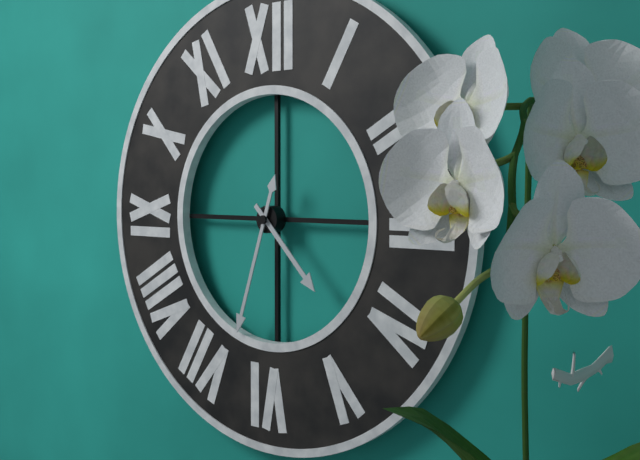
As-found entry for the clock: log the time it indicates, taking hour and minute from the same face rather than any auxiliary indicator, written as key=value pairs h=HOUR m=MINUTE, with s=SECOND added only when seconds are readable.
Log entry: h=4 m=33
